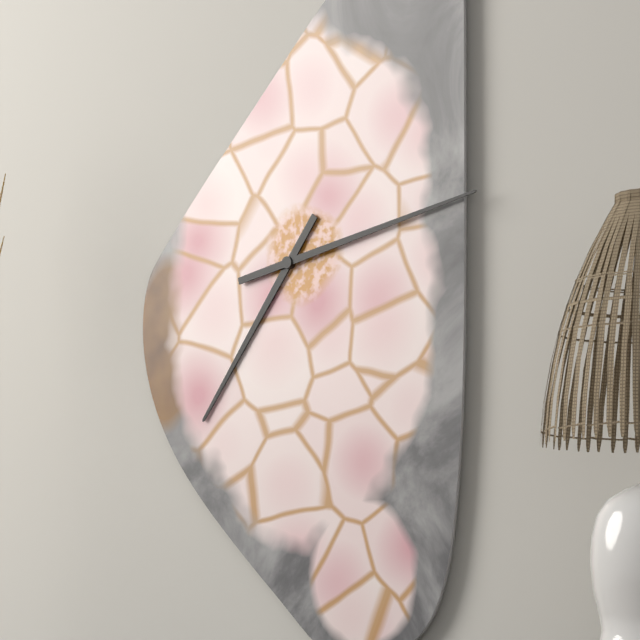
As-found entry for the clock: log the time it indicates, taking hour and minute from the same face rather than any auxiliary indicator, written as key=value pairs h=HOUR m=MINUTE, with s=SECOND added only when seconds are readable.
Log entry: h=7 m=13
